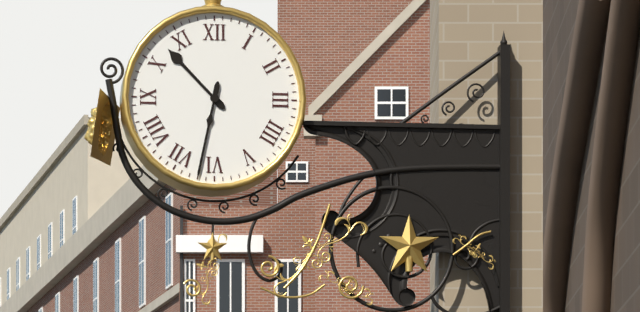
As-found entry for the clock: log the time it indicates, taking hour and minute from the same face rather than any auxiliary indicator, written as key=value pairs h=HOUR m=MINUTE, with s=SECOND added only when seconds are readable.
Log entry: h=10 m=32
